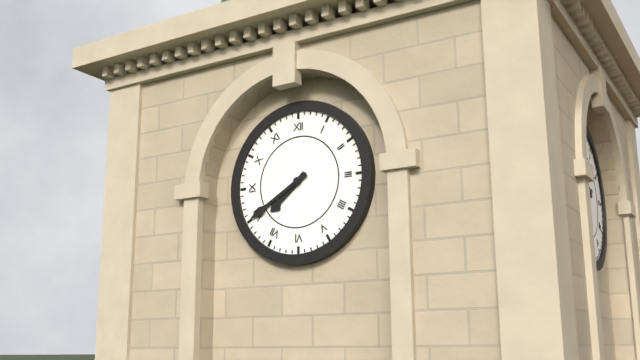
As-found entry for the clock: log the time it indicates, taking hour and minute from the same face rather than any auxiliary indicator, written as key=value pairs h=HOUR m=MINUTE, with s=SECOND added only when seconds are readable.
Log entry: h=7 m=40
